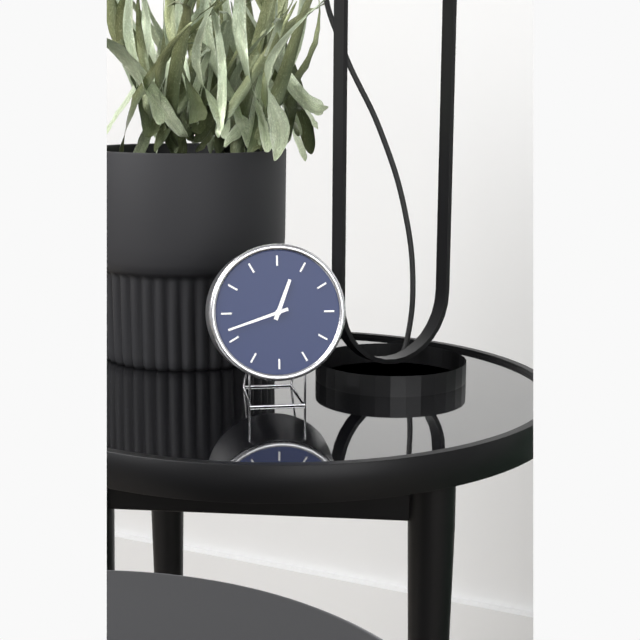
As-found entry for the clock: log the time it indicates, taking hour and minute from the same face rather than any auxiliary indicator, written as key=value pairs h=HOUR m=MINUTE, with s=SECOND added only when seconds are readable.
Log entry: h=12 m=42
